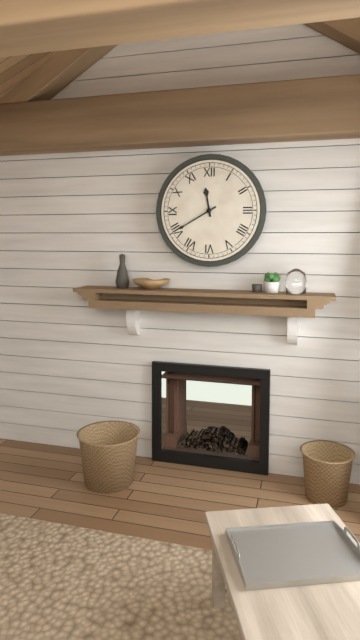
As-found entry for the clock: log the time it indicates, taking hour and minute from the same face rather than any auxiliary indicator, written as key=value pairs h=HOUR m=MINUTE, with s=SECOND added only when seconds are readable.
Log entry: h=11 m=40
